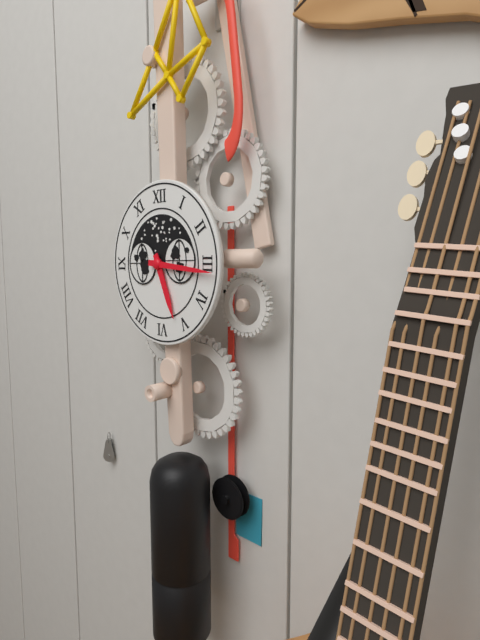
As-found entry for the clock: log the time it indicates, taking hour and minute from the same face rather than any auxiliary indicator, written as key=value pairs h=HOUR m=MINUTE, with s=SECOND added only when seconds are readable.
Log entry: h=5 m=16
